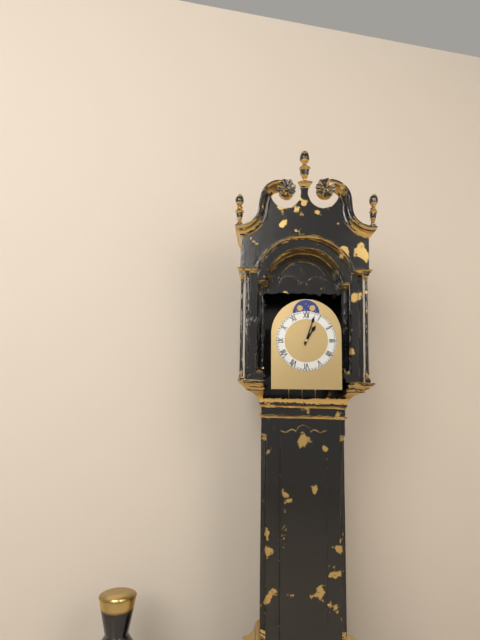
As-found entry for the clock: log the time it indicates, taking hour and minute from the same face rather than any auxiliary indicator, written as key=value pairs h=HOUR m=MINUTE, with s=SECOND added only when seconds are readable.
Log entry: h=1 m=3
